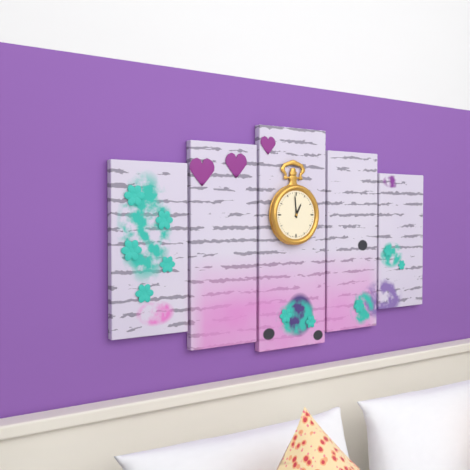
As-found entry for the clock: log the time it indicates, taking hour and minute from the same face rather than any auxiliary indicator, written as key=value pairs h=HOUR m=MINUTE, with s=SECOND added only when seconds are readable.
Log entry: h=12 m=59
